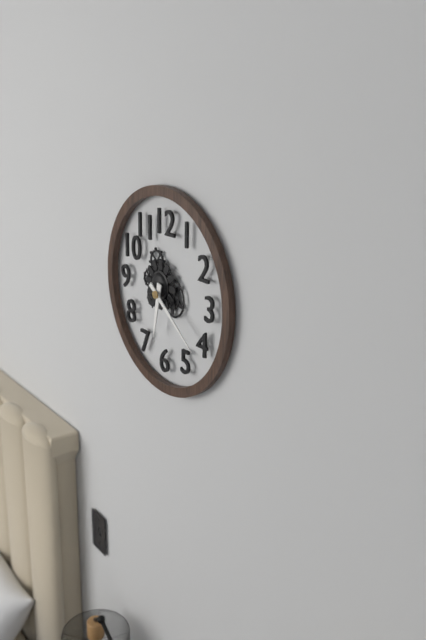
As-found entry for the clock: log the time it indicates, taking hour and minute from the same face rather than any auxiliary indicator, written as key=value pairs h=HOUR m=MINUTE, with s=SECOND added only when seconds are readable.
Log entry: h=6 m=21
